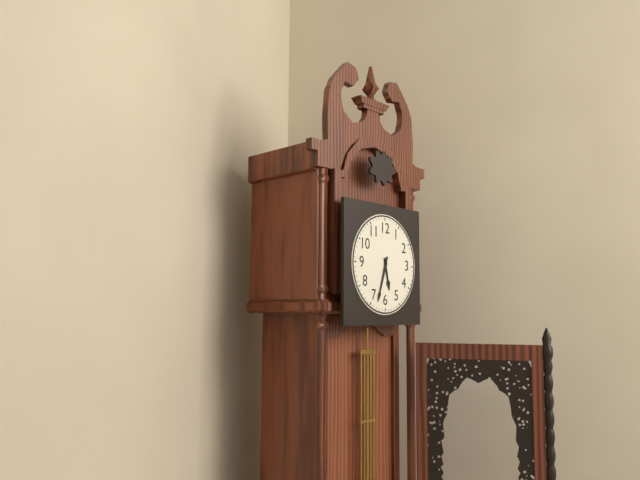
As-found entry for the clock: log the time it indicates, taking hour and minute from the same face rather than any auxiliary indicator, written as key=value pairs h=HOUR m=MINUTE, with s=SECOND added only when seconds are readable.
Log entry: h=5 m=33
